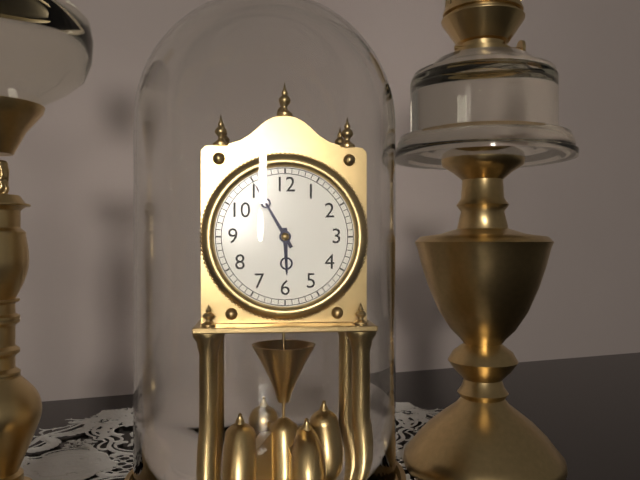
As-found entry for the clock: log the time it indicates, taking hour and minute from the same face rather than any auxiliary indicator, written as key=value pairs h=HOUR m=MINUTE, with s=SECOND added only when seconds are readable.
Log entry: h=5 m=55
